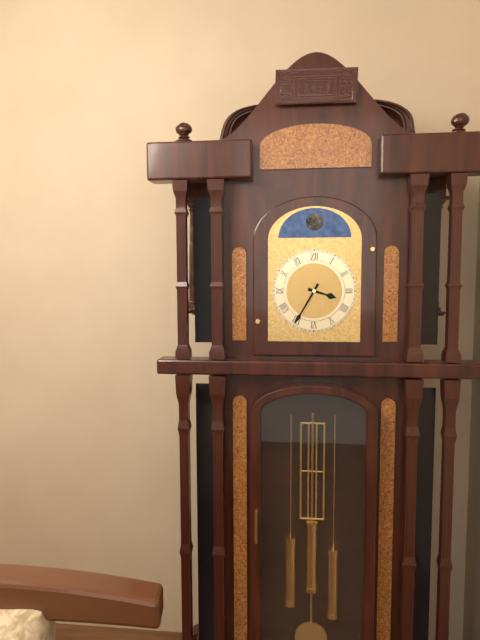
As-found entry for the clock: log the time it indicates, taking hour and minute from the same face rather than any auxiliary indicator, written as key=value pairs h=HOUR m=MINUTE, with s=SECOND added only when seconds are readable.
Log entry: h=3 m=35
